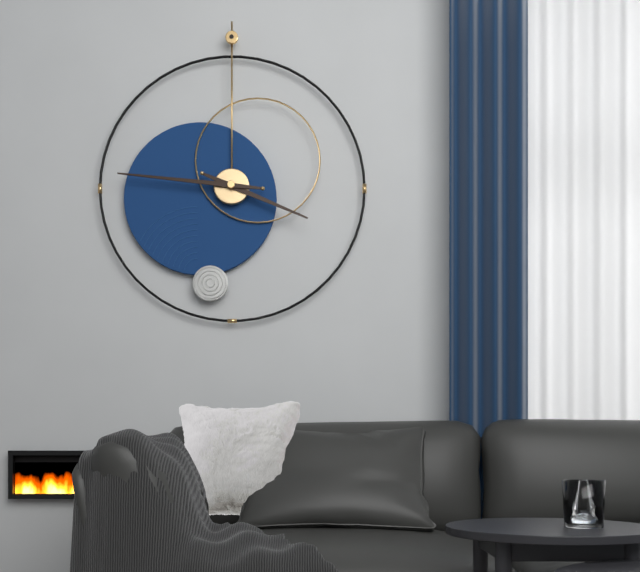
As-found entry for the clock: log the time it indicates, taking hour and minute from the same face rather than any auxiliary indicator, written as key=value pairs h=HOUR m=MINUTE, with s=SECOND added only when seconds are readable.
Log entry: h=3 m=46
